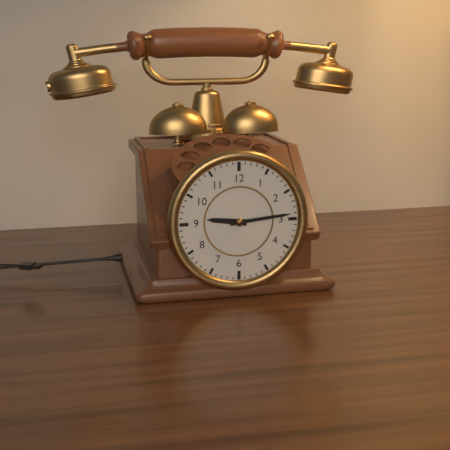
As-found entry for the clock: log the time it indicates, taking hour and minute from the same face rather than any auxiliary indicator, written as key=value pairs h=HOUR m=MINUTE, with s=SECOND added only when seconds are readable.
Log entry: h=9 m=14
